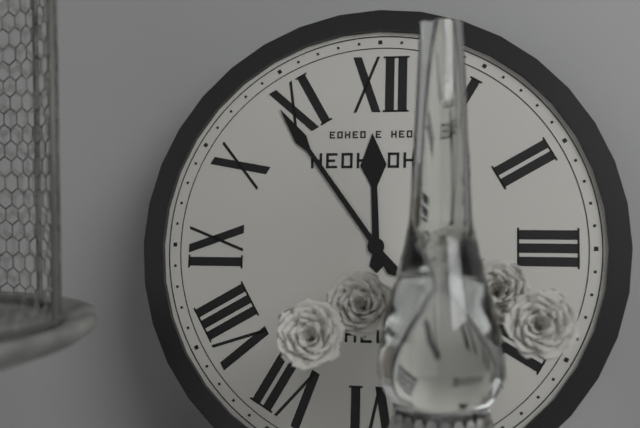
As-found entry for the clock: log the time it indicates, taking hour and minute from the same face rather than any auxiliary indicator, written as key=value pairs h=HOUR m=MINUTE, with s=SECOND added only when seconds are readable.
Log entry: h=11 m=54
